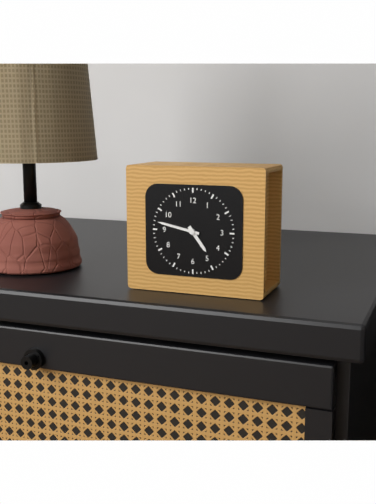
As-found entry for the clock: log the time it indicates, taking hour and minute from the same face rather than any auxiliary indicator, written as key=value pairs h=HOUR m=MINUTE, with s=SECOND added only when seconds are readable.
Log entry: h=4 m=47
